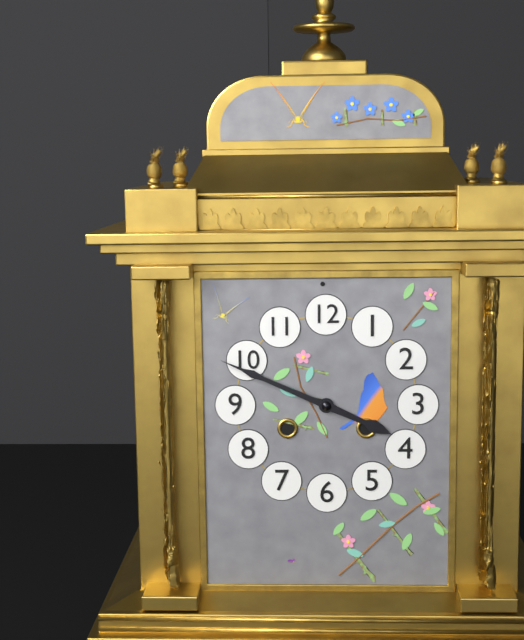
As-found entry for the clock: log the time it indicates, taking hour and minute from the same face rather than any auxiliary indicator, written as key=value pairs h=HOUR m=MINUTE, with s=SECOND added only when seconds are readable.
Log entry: h=3 m=49
